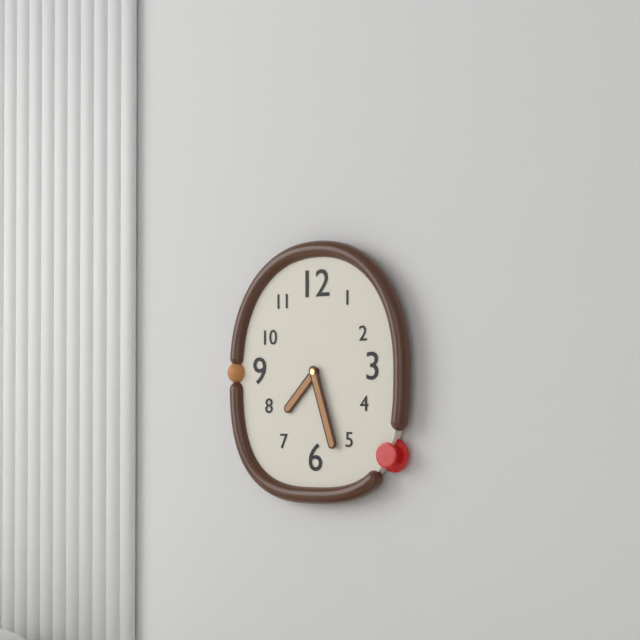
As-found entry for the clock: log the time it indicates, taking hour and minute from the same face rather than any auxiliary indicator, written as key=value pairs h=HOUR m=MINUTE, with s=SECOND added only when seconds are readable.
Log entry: h=7 m=27
